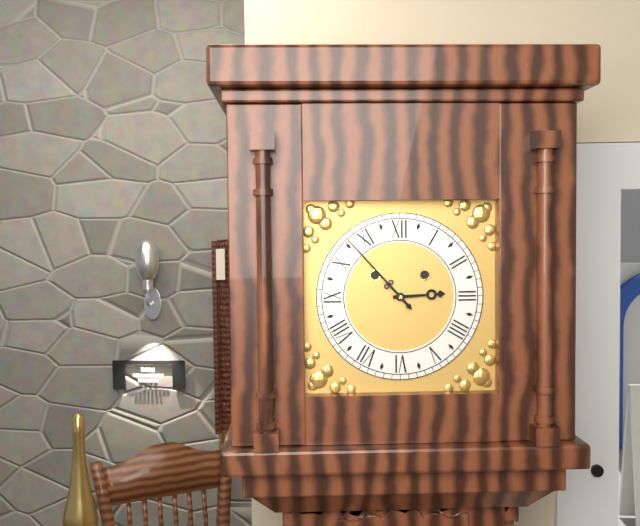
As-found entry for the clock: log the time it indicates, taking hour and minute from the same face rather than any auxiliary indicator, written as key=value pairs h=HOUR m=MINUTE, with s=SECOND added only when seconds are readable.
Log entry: h=2 m=53
